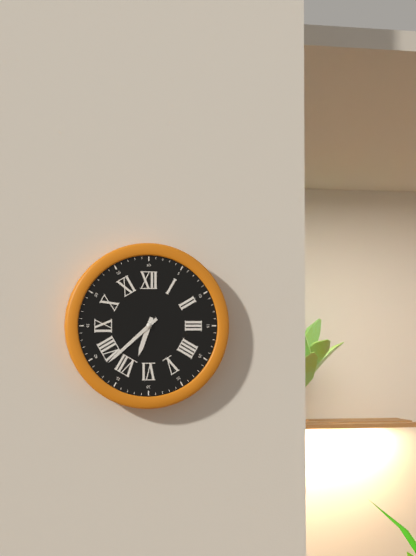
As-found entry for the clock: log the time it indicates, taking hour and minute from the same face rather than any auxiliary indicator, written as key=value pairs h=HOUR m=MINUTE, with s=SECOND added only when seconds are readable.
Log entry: h=6 m=38
